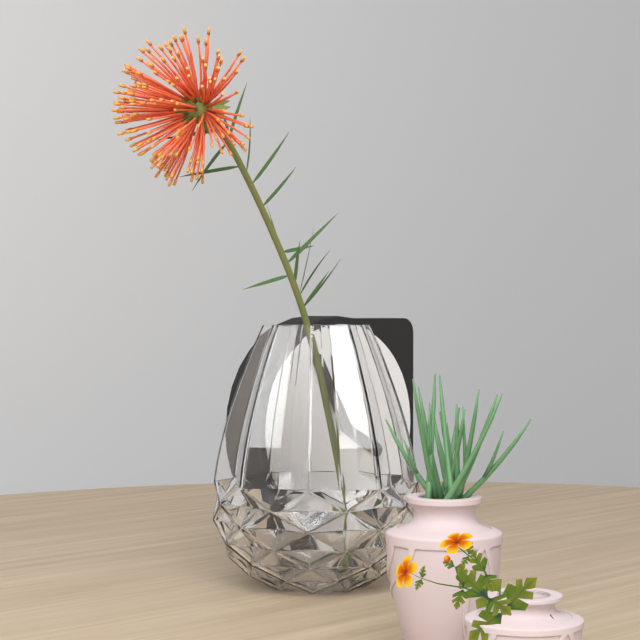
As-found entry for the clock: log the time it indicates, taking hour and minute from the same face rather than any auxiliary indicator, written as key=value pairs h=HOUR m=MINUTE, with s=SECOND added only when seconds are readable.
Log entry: h=3 m=55
